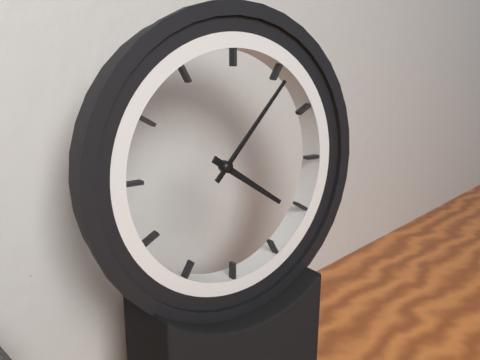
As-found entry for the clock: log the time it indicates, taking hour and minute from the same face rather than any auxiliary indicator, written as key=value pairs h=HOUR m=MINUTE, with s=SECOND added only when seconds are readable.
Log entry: h=4 m=7
